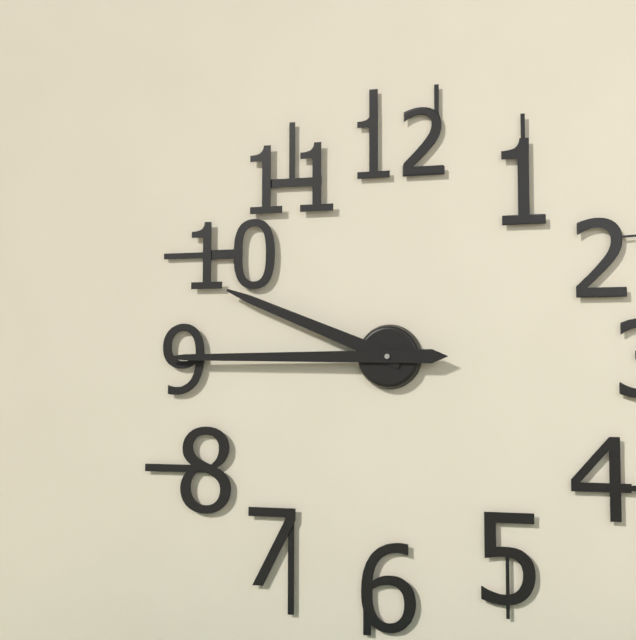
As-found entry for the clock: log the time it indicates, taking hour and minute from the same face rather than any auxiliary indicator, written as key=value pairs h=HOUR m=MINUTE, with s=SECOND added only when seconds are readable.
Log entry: h=9 m=45
